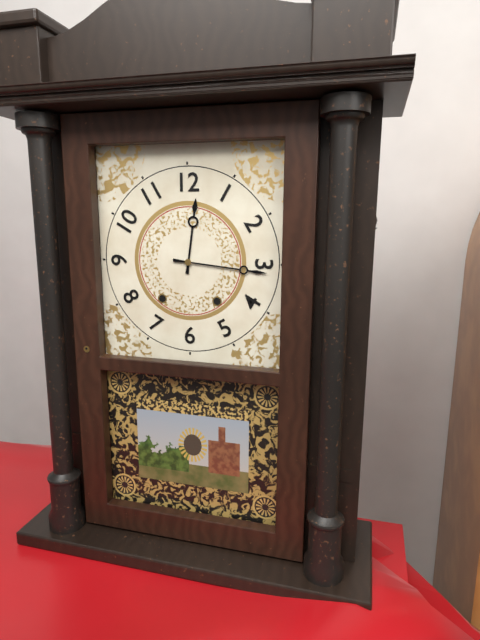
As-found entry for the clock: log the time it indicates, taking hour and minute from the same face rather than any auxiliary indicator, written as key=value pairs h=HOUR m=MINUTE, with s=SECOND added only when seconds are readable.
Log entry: h=12 m=16
